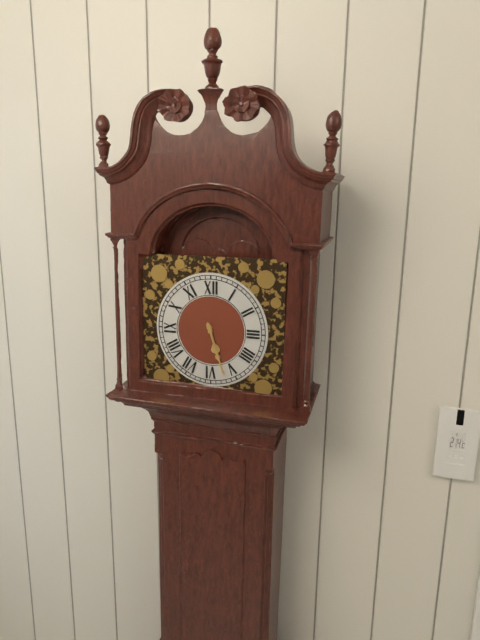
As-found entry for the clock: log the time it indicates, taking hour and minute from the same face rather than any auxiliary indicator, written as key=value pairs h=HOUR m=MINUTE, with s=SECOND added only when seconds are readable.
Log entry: h=5 m=27
